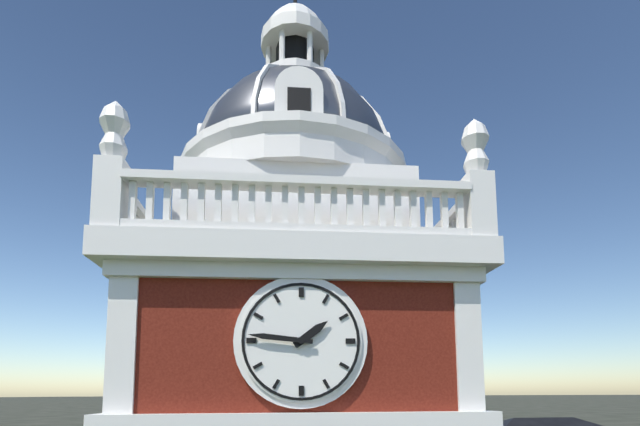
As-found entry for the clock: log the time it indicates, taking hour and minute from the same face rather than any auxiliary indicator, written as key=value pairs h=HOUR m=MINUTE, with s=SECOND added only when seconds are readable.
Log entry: h=1 m=46
